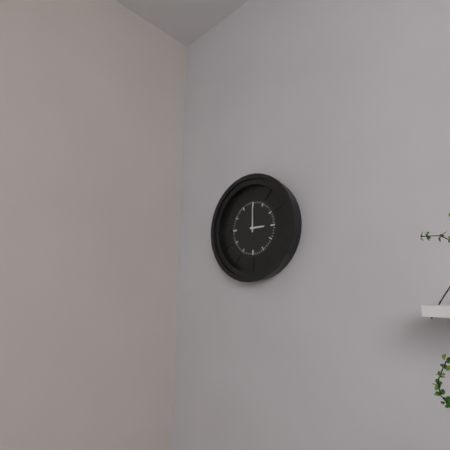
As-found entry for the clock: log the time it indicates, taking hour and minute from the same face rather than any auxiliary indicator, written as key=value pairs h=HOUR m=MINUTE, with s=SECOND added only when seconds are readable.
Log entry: h=3 m=0
